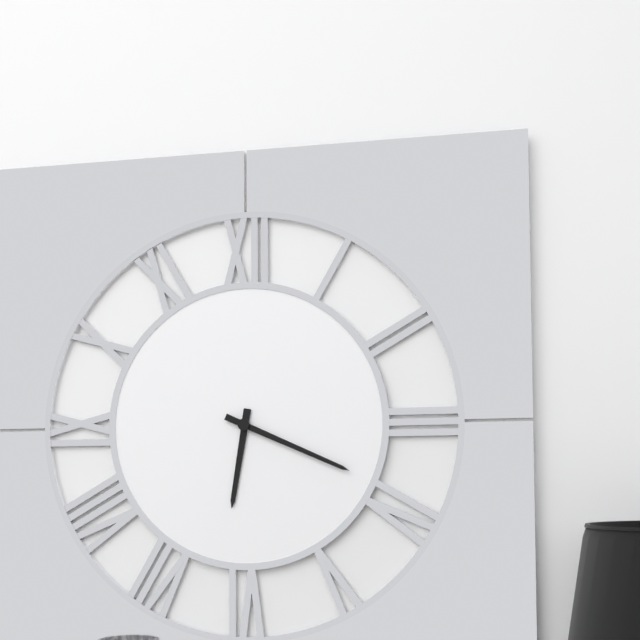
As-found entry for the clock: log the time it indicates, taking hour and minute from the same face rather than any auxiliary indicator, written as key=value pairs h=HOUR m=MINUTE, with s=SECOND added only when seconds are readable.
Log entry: h=6 m=19
